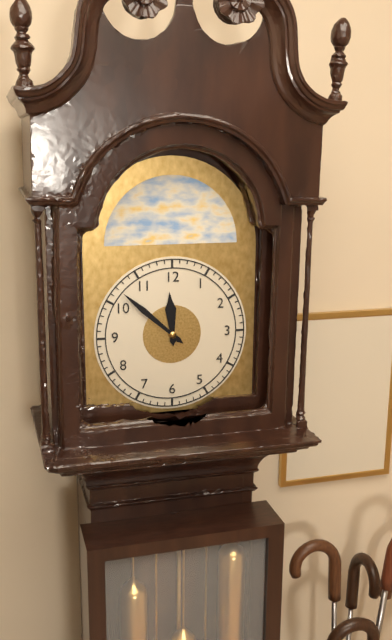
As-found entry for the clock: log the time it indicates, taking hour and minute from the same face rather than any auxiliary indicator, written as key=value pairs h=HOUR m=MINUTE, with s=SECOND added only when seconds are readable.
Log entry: h=11 m=52
